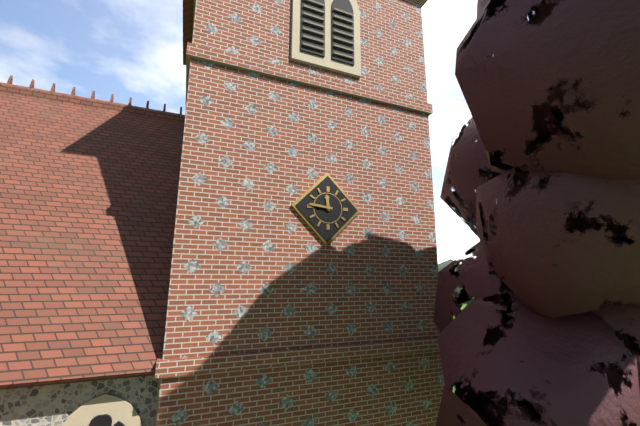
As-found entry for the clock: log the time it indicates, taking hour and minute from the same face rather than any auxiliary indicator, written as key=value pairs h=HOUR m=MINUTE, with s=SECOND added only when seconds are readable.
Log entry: h=11 m=46
